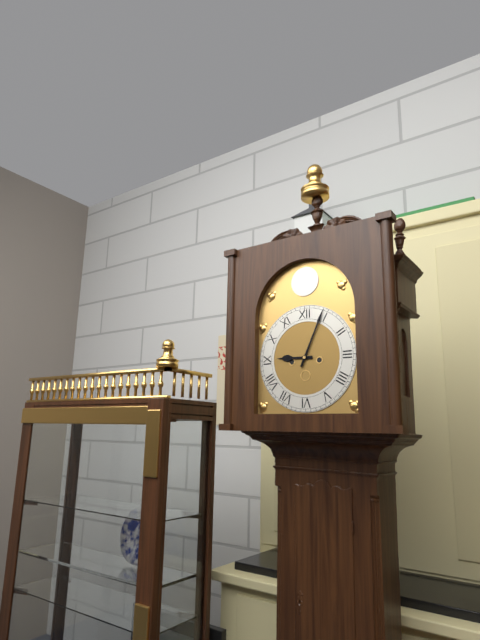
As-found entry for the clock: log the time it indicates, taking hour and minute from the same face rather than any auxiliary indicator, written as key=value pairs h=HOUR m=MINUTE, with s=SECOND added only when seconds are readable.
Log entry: h=9 m=4
